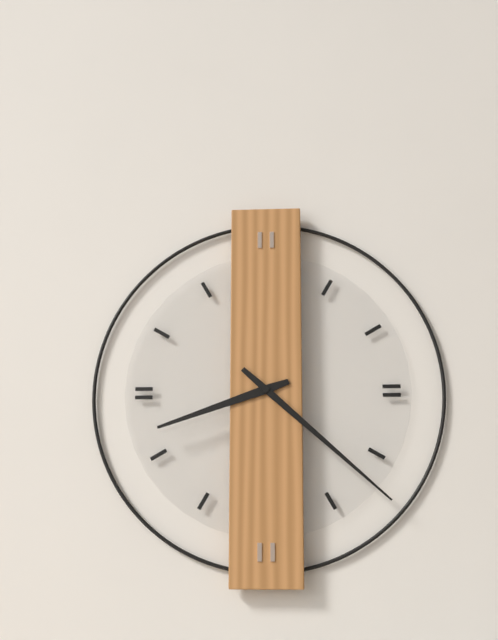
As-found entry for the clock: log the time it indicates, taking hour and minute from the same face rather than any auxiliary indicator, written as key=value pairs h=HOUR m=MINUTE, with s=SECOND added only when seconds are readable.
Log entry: h=8 m=22
